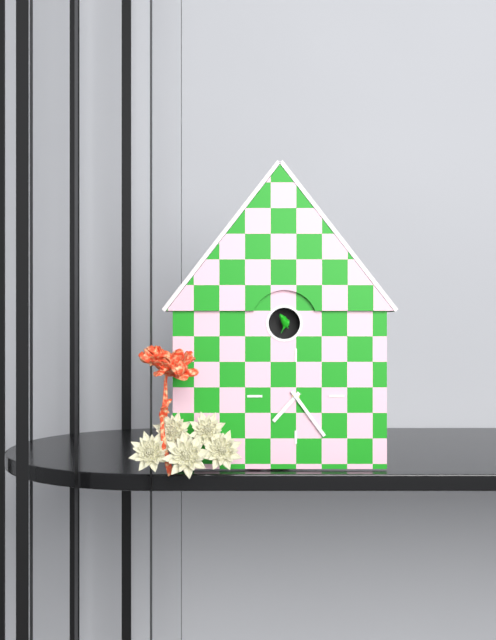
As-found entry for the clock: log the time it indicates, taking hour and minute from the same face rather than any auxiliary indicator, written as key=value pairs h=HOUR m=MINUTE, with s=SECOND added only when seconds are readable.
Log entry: h=7 m=24
